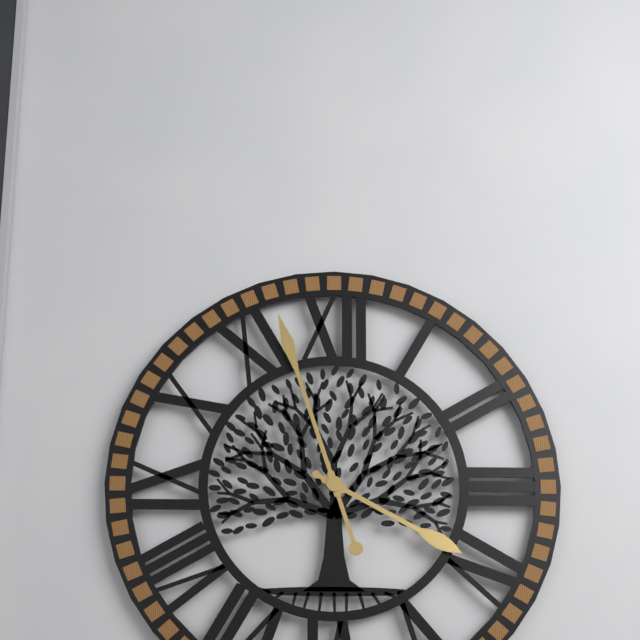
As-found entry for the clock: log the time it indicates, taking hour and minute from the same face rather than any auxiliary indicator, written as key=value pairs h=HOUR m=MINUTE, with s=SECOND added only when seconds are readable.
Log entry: h=3 m=57
